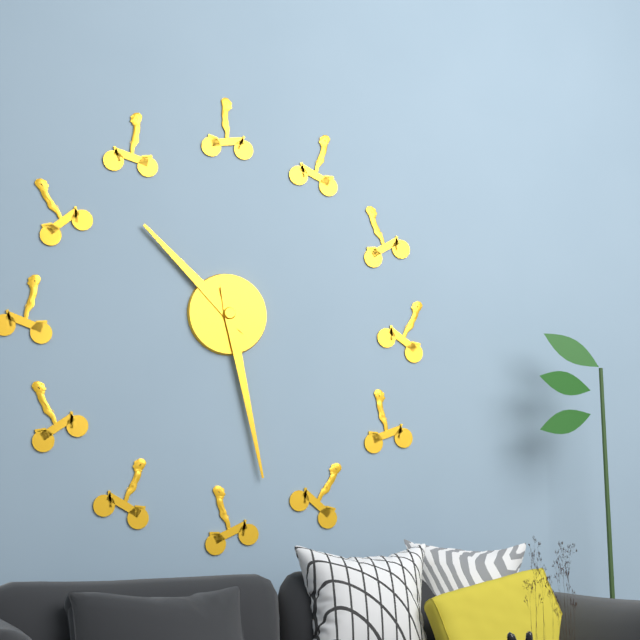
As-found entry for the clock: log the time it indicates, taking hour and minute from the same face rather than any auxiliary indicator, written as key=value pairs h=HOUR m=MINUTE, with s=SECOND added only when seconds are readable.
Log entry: h=10 m=28
